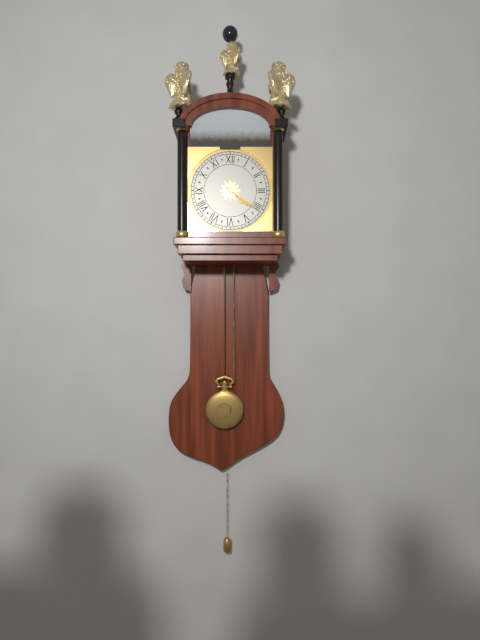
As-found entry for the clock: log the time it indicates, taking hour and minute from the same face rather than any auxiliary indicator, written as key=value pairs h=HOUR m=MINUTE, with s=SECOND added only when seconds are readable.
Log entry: h=4 m=21
